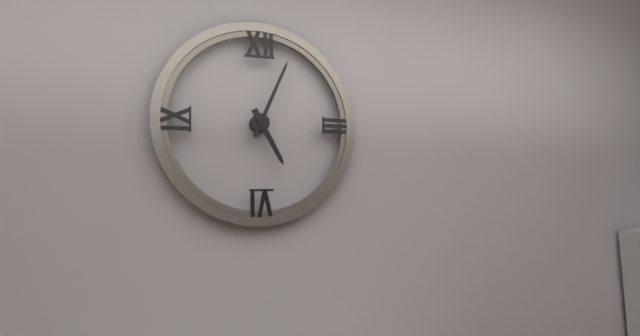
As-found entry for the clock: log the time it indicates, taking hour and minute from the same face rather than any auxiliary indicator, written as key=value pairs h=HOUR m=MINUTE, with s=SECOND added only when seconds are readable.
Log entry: h=5 m=4
